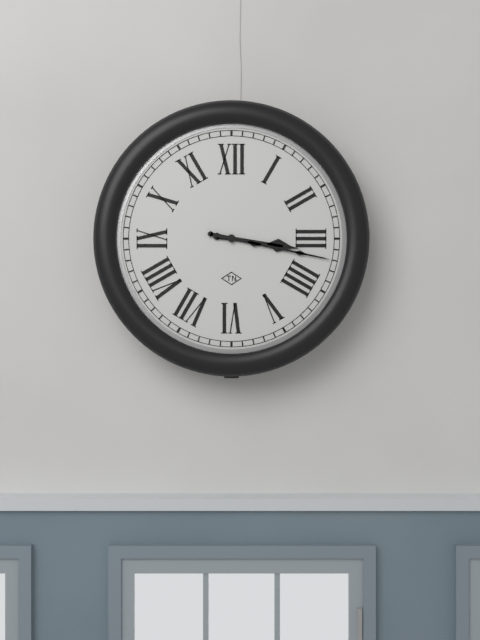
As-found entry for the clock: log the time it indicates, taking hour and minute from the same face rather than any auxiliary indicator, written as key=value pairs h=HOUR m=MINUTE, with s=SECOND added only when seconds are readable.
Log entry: h=3 m=17
